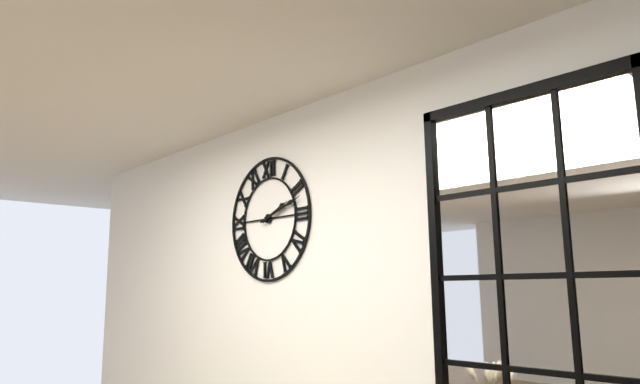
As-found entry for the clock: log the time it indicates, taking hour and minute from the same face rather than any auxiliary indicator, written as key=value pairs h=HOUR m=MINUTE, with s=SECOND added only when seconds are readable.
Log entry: h=2 m=12
